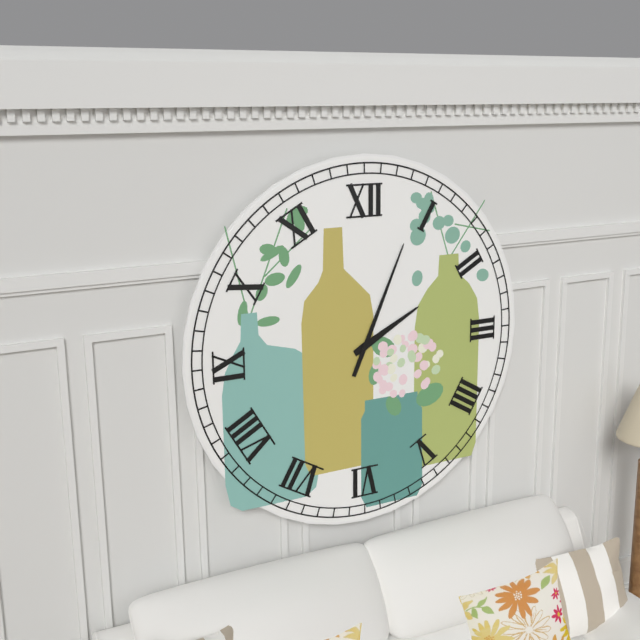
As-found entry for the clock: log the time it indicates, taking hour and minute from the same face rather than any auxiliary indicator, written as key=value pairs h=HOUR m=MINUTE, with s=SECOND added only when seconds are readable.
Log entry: h=2 m=4
